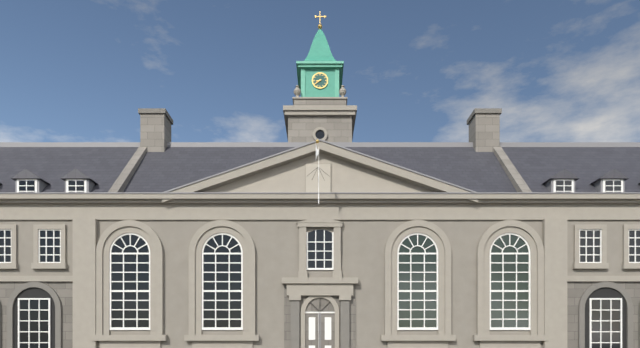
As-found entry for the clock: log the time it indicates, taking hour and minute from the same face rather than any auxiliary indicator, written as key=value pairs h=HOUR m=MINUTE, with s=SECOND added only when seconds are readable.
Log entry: h=8 m=39
